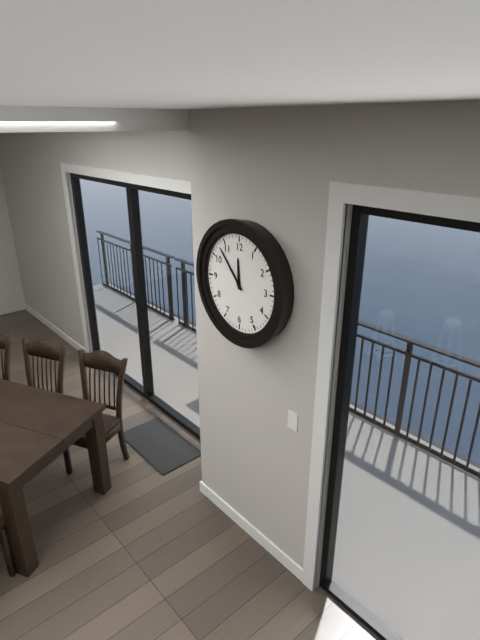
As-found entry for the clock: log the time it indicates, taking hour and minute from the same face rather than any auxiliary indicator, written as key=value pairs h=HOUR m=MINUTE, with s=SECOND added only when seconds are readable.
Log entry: h=11 m=53
